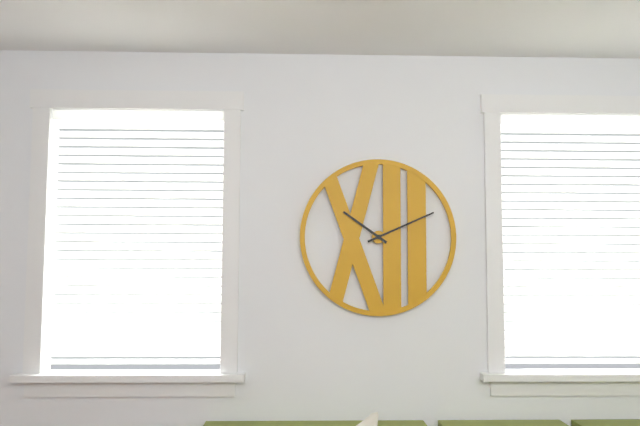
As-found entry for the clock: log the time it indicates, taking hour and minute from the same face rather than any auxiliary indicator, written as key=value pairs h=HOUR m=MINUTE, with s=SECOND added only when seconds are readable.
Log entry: h=10 m=11
